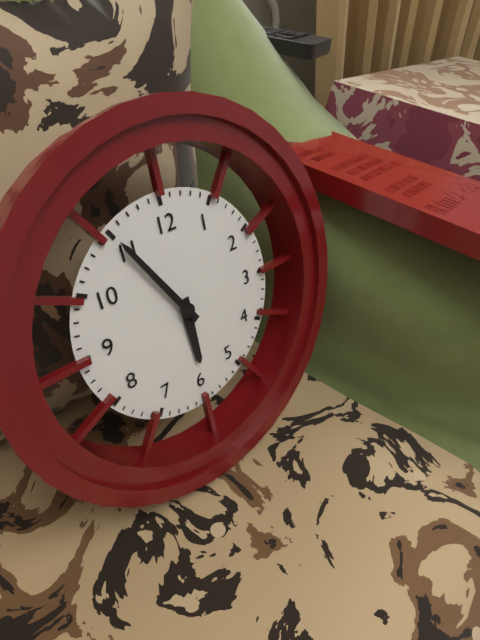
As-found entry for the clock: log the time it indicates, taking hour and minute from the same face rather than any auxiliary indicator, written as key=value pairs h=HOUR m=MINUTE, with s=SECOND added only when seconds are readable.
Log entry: h=5 m=55
